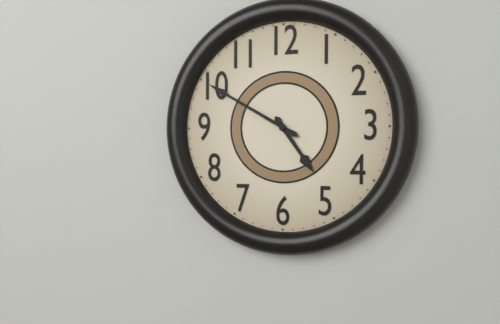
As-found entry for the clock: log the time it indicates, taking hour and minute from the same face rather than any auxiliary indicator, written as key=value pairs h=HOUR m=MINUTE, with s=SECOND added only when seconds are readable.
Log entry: h=4 m=50
